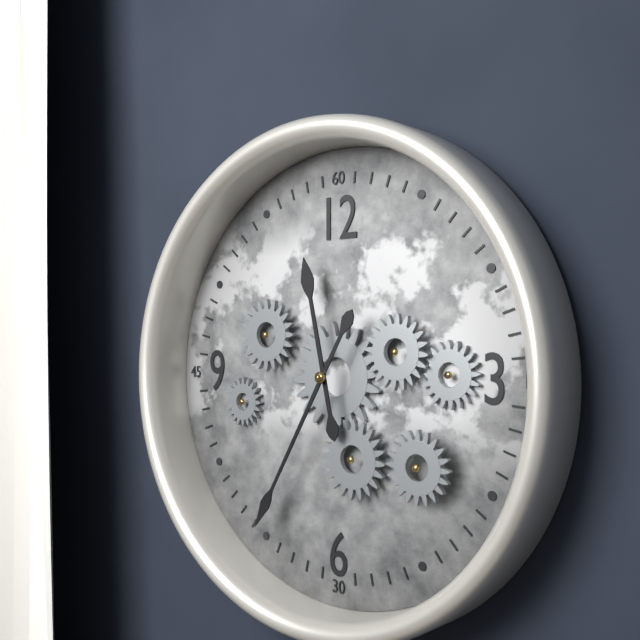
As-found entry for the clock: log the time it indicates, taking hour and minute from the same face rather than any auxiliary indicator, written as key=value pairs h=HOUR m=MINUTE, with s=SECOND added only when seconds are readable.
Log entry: h=11 m=35
